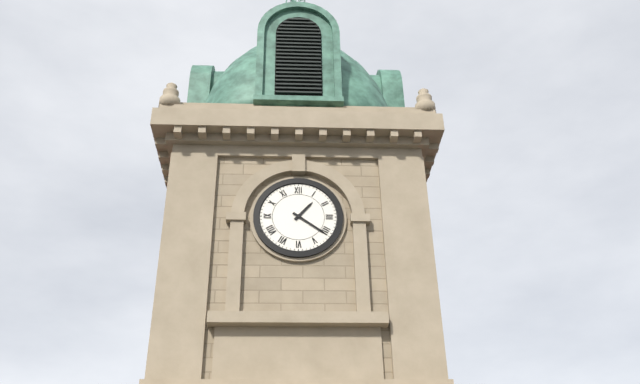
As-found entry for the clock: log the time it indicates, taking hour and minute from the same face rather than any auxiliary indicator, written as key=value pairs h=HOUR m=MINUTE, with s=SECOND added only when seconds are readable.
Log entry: h=1 m=21
